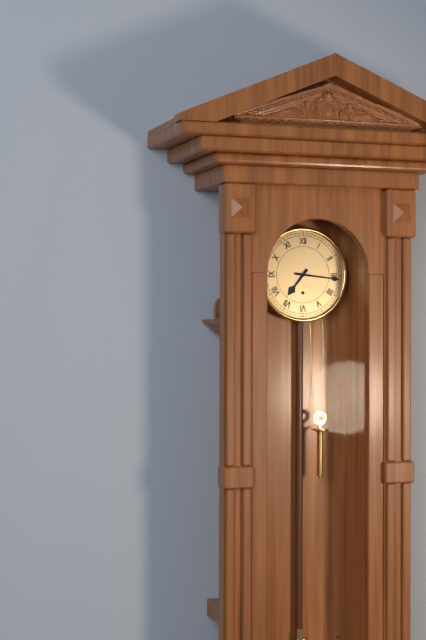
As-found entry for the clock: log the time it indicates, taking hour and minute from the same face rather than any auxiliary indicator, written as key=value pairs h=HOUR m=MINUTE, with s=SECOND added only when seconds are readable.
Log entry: h=7 m=16
